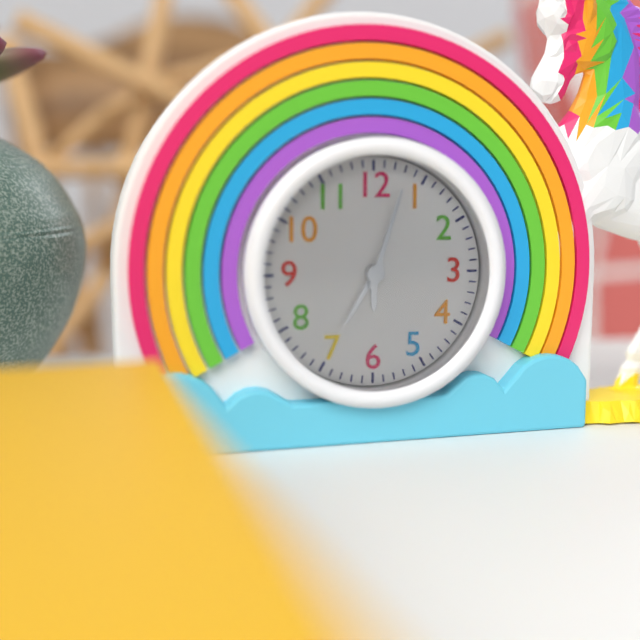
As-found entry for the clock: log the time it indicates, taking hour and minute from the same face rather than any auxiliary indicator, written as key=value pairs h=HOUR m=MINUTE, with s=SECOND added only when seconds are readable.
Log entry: h=7 m=3
